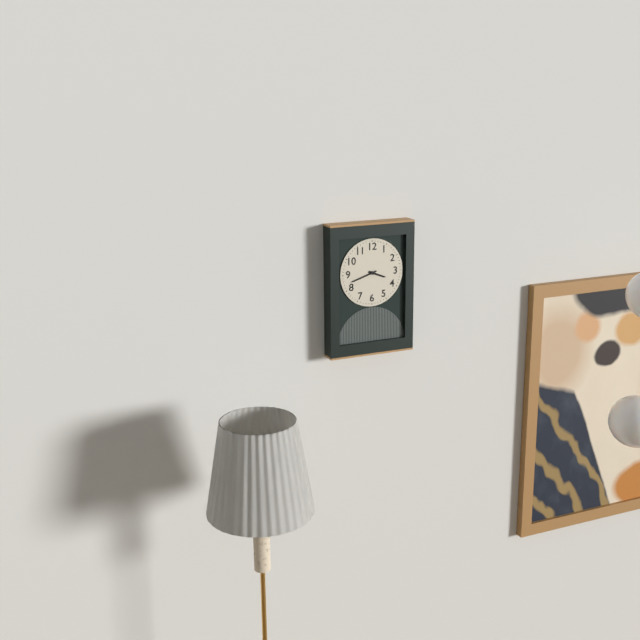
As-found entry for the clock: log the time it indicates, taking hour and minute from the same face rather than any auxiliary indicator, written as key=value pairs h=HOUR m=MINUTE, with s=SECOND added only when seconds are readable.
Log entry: h=3 m=42
